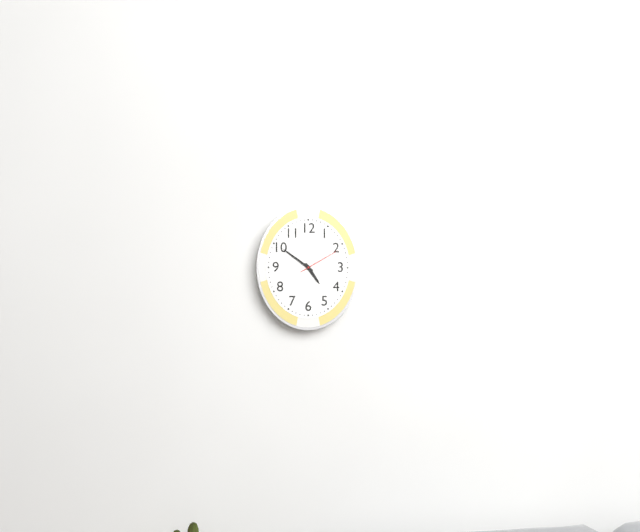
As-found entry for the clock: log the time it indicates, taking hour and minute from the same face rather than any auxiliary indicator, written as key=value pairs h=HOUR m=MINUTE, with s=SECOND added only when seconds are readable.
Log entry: h=4 m=51
